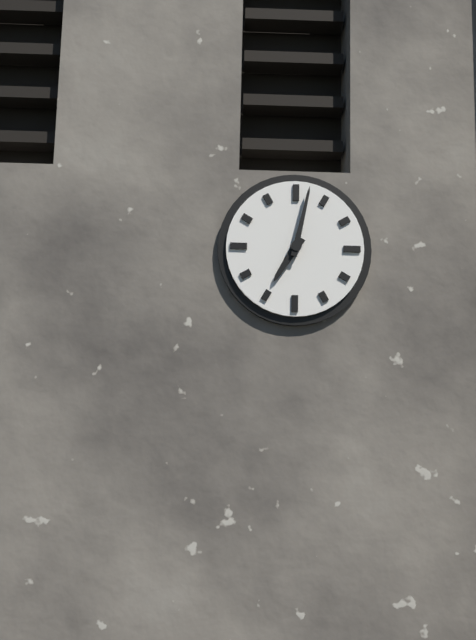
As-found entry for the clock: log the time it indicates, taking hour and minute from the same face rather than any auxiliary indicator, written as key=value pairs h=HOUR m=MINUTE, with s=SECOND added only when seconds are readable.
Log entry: h=7 m=2
